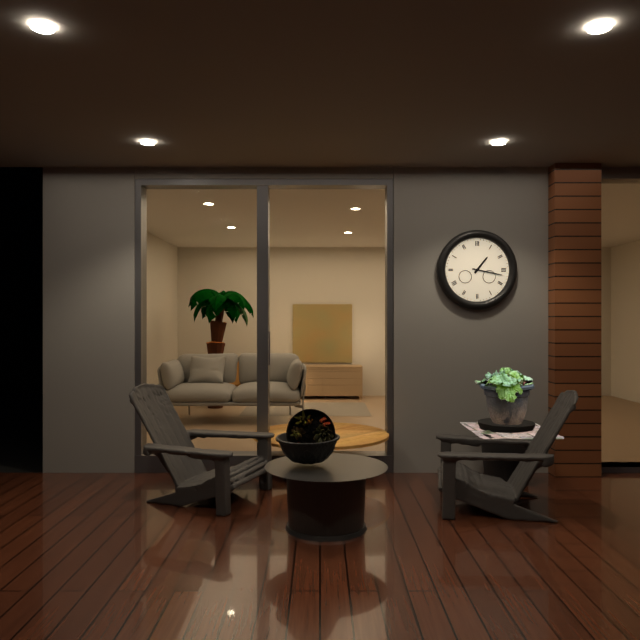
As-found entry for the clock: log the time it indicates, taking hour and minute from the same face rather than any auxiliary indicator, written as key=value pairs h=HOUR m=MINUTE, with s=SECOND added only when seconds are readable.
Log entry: h=1 m=17
